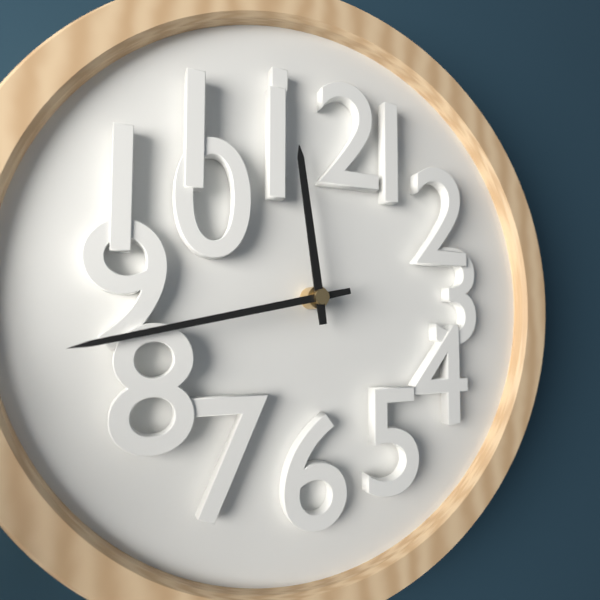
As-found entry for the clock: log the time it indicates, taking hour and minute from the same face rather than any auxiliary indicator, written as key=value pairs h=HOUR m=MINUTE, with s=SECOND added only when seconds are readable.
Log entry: h=11 m=43
